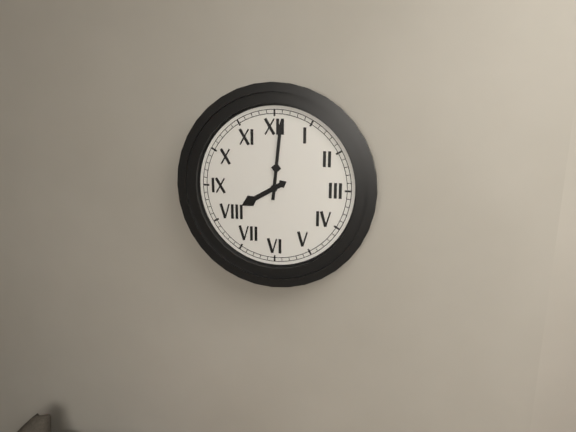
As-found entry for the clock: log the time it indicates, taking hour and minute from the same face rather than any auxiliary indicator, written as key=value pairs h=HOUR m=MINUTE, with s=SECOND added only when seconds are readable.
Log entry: h=8 m=1
